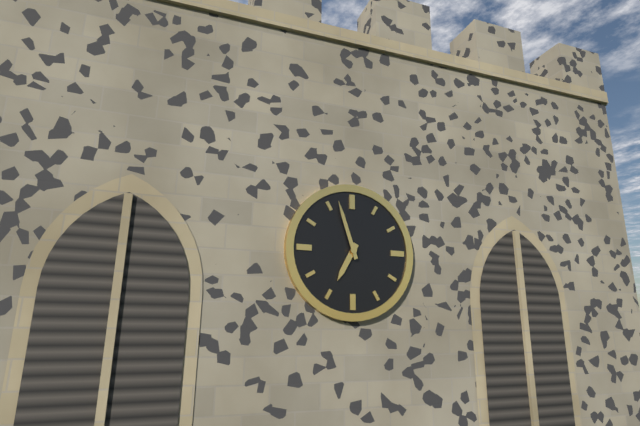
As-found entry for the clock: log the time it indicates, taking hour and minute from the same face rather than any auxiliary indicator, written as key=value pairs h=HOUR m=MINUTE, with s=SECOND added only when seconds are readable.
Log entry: h=6 m=57
